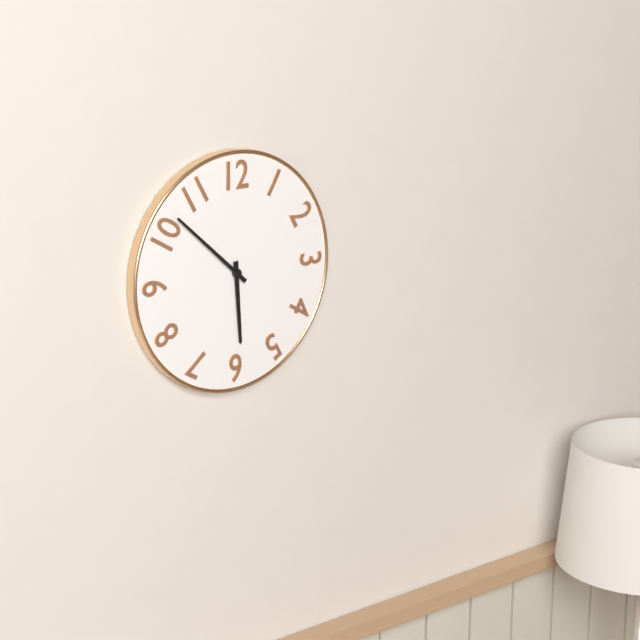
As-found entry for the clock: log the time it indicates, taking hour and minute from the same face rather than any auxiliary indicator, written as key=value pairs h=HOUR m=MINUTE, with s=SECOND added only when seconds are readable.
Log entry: h=5 m=52
